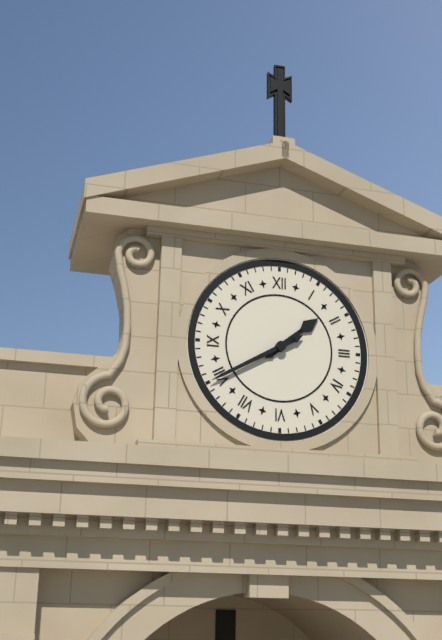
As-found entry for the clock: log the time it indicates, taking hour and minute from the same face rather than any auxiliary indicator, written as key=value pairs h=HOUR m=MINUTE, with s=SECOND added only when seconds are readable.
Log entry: h=1 m=40
